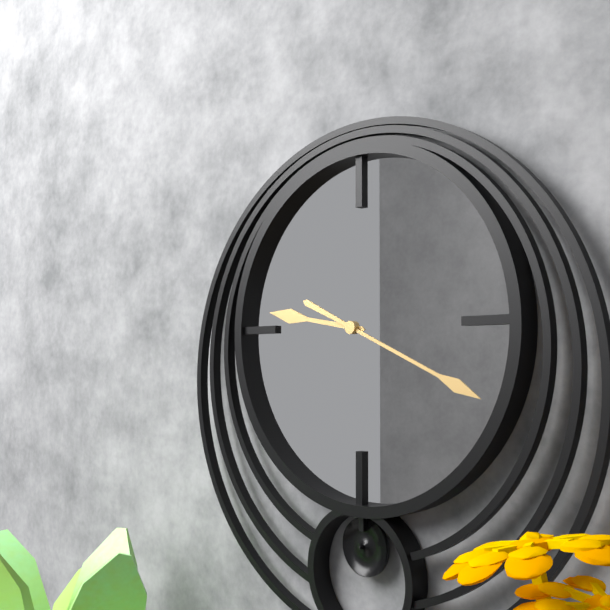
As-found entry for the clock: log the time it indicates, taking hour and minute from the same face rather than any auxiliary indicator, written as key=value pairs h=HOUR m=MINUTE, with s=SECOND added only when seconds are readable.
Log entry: h=9 m=19
